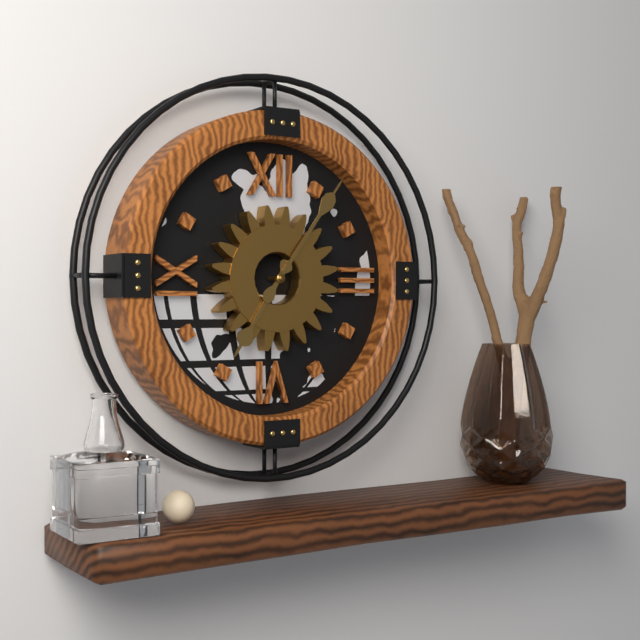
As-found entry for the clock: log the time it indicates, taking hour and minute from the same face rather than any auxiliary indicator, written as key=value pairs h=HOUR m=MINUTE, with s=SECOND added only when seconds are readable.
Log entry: h=7 m=6
